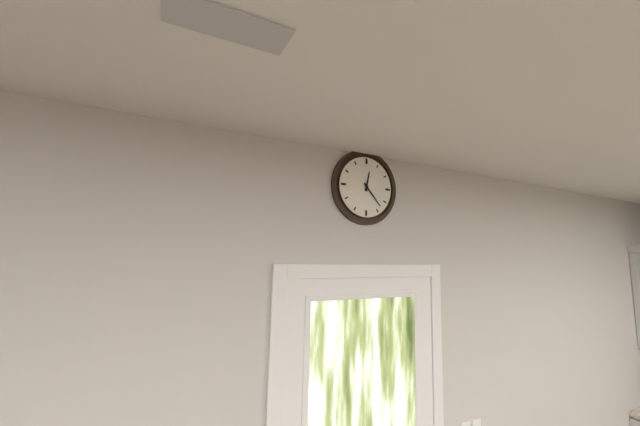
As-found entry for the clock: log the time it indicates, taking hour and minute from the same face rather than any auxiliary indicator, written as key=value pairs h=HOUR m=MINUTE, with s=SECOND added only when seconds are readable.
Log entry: h=12 m=23
